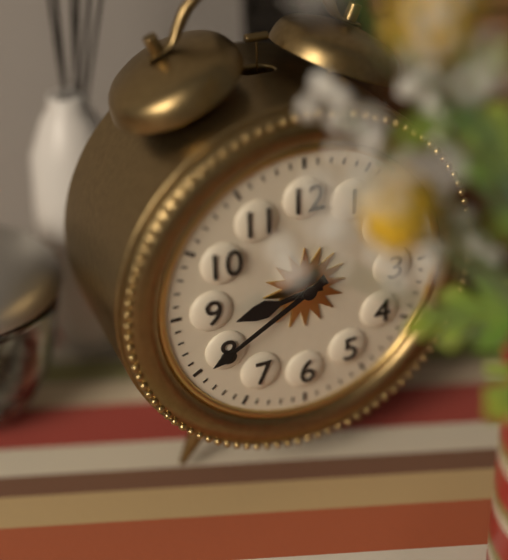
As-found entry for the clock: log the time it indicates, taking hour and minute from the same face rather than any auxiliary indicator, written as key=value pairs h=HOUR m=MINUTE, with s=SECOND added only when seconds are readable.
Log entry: h=8 m=40
